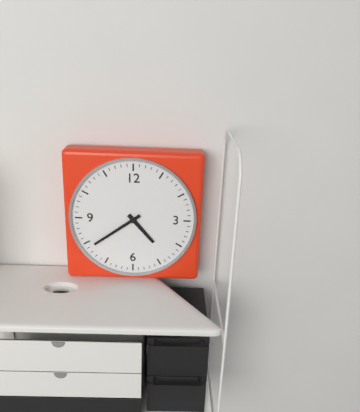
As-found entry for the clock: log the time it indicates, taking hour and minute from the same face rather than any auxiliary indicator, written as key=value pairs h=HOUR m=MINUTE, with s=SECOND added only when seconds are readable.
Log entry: h=4 m=39
